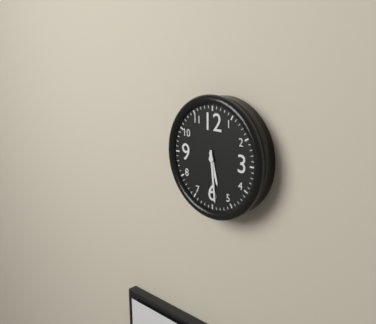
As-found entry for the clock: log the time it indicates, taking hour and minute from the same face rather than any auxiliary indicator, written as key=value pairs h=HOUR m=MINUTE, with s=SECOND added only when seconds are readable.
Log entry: h=5 m=29
